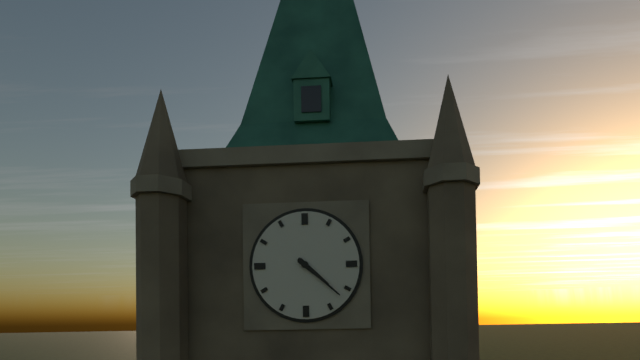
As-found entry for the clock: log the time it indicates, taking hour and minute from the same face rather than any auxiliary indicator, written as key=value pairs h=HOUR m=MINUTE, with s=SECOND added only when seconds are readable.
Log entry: h=4 m=22
